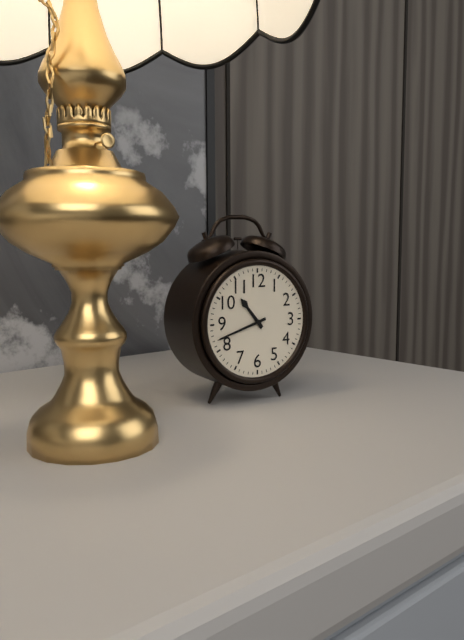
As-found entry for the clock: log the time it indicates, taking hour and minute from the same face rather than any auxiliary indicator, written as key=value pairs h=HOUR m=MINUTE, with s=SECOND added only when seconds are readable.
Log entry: h=10 m=42
